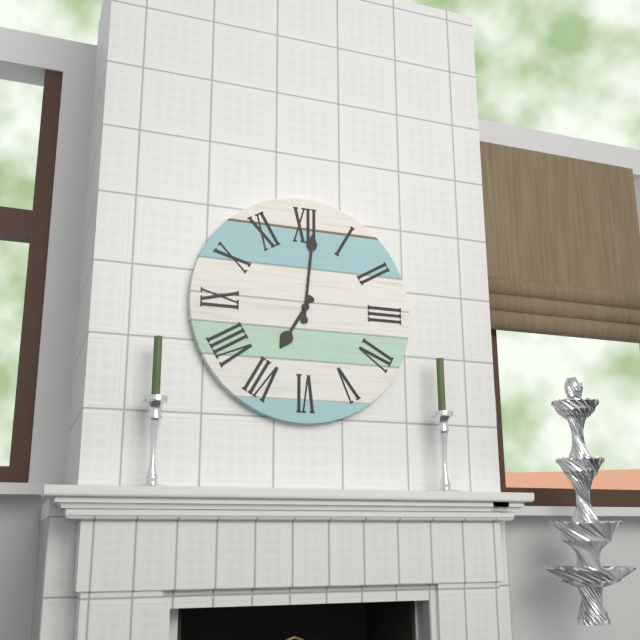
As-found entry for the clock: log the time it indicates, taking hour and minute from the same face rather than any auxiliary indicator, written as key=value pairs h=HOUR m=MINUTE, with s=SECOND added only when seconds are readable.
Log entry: h=7 m=1
